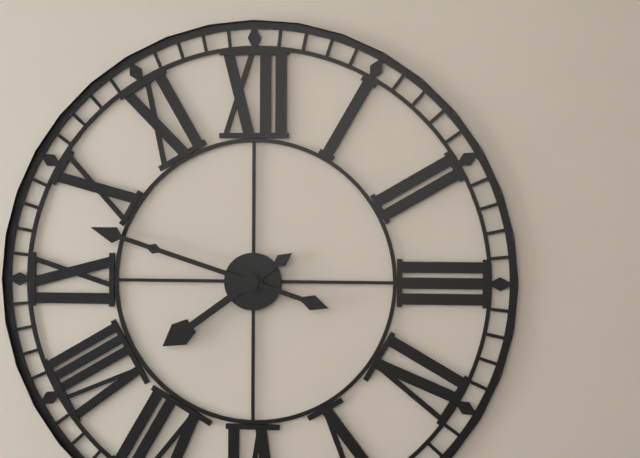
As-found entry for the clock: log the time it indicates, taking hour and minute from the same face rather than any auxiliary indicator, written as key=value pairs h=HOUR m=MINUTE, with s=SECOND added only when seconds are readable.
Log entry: h=7 m=48
